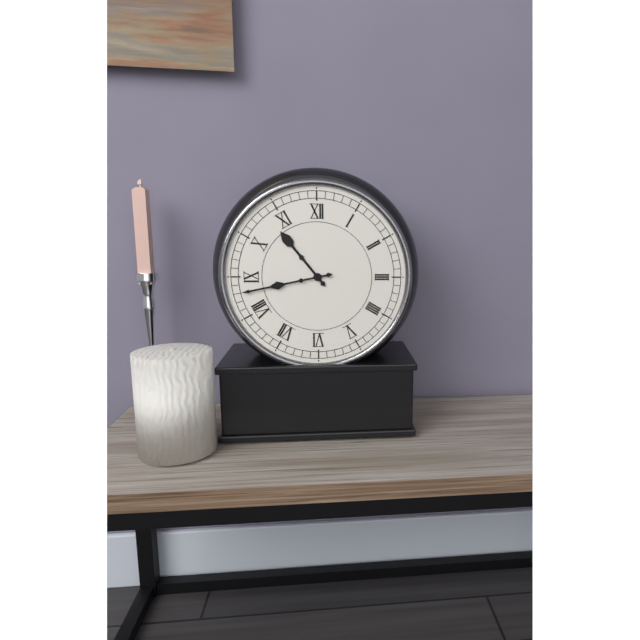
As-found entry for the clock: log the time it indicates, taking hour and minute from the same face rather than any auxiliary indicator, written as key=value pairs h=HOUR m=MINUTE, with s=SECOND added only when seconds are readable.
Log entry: h=10 m=43
